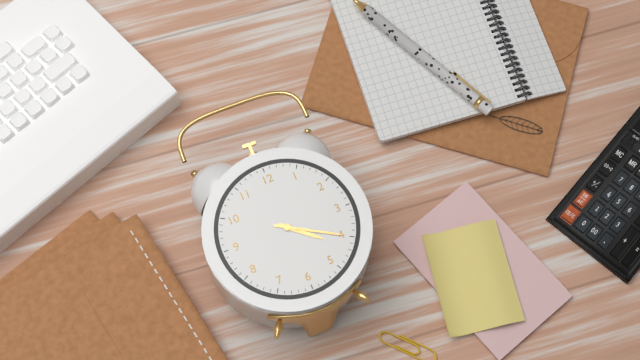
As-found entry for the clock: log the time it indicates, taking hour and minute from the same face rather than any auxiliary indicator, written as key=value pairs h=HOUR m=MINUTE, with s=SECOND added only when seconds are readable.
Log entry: h=4 m=20
